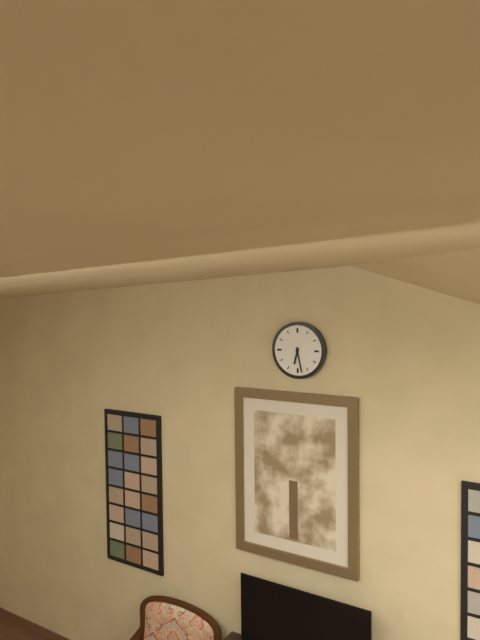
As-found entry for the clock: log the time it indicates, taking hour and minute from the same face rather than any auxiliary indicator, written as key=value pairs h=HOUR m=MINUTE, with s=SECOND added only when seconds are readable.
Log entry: h=6 m=28
